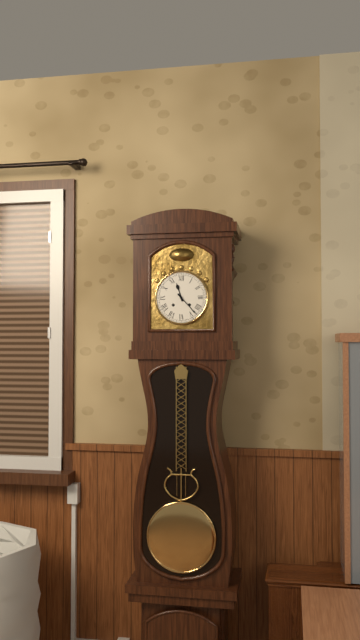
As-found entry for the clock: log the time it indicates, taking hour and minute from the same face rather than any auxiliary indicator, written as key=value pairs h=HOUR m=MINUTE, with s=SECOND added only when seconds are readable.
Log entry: h=11 m=23
